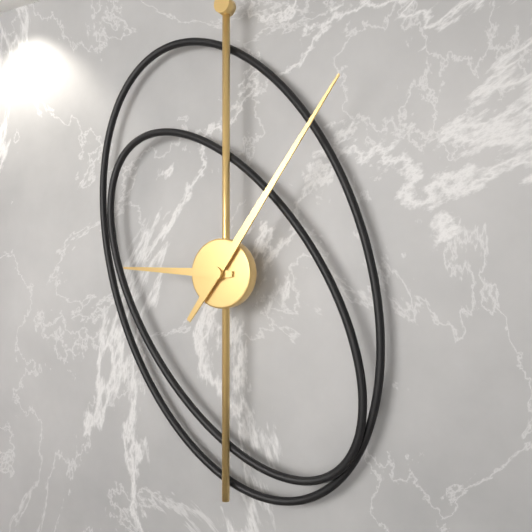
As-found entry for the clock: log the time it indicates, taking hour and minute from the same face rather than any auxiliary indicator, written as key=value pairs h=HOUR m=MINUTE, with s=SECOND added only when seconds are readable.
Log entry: h=9 m=6
